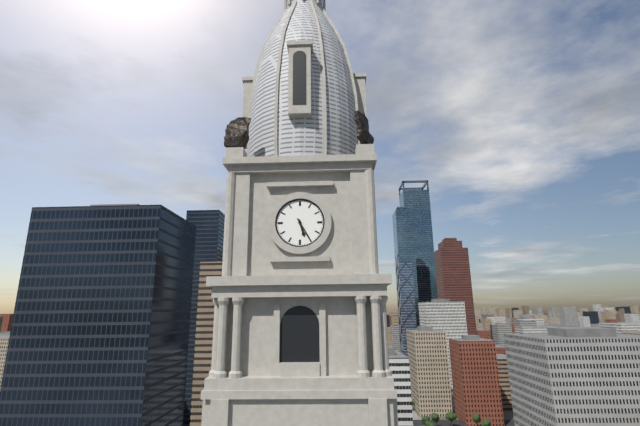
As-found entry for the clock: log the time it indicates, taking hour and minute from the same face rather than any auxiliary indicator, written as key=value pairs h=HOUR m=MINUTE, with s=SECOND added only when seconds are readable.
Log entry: h=5 m=25
